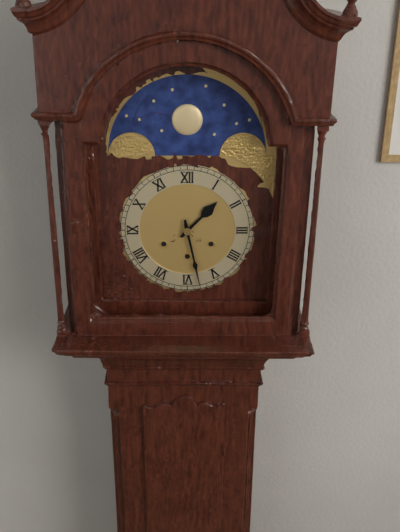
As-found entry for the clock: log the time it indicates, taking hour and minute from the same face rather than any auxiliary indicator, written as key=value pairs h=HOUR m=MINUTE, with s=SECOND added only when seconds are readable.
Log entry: h=1 m=28
